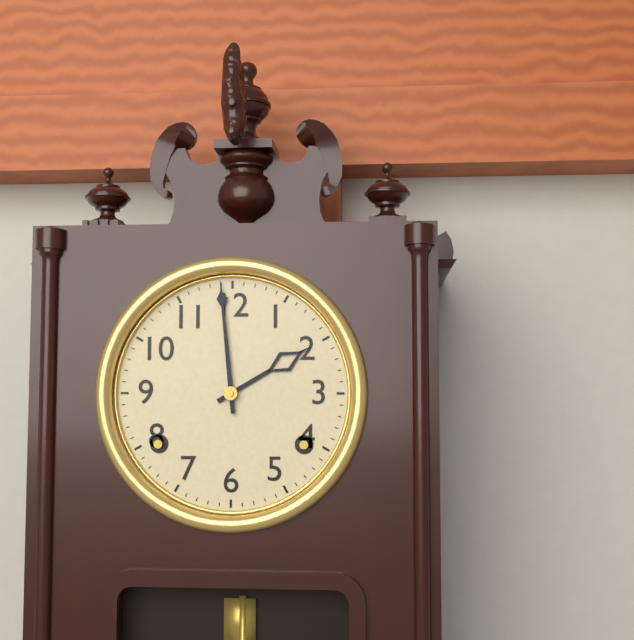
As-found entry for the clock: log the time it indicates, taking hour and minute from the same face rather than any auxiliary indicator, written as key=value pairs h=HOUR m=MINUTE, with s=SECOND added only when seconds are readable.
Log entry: h=1 m=59
